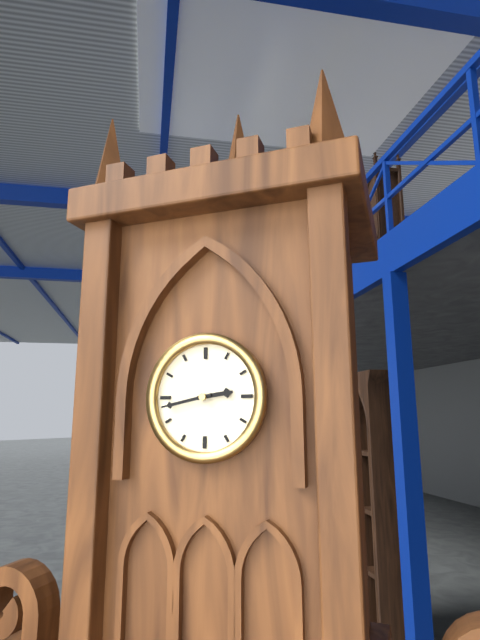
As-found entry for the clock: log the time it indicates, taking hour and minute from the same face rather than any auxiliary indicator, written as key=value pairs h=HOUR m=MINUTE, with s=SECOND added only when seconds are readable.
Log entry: h=2 m=43
